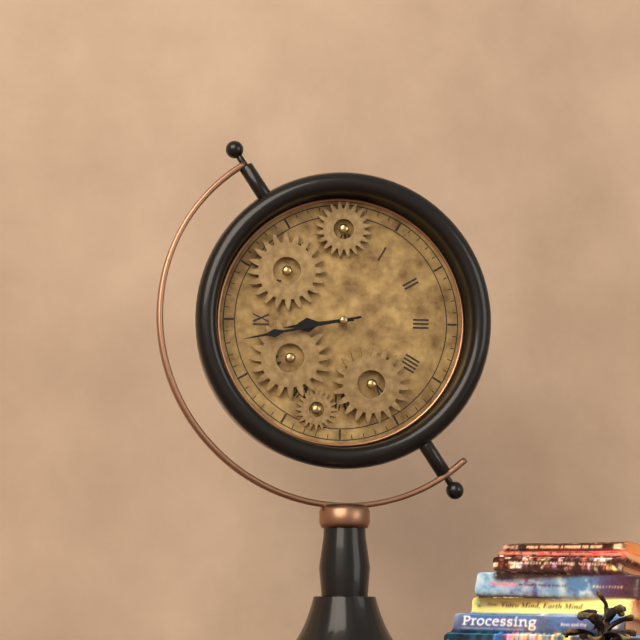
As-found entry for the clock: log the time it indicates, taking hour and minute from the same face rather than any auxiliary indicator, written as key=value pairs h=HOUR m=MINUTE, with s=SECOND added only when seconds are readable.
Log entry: h=8 m=43
